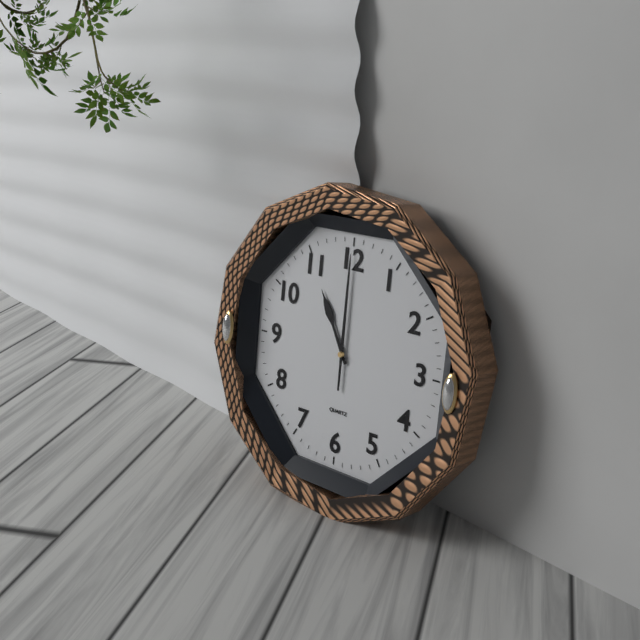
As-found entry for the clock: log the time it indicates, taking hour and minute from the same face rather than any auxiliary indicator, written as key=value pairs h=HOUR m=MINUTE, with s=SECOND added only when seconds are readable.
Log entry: h=11 m=0
